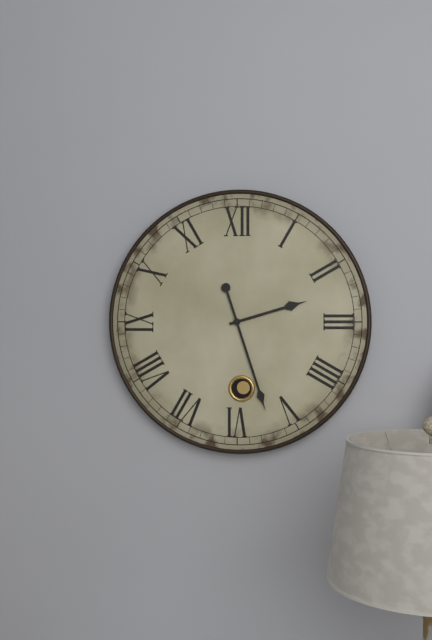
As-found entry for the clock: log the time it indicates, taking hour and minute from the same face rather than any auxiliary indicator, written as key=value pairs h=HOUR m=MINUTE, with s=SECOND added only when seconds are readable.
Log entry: h=2 m=27
